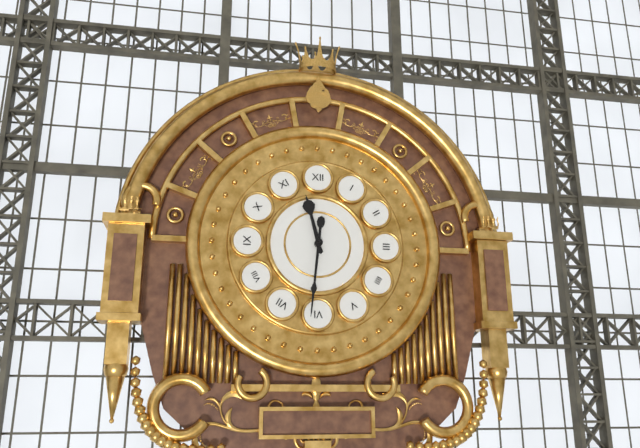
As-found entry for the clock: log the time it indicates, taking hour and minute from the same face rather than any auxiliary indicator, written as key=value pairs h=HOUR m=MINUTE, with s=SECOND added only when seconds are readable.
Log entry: h=11 m=31
